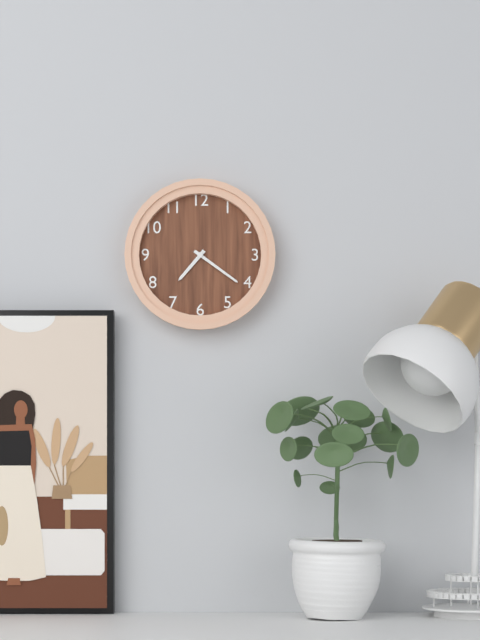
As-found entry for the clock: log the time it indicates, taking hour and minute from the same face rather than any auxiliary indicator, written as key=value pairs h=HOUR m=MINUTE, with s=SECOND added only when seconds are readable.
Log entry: h=7 m=21
